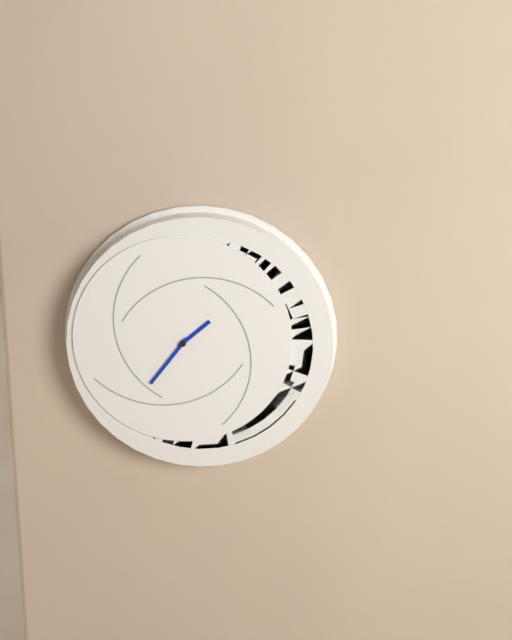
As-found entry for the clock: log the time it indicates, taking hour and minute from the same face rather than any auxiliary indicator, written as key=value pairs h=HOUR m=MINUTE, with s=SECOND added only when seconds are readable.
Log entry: h=1 m=36
